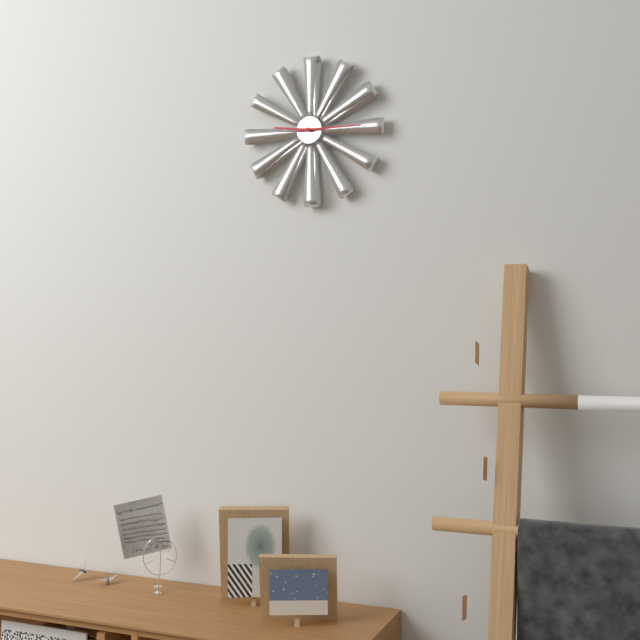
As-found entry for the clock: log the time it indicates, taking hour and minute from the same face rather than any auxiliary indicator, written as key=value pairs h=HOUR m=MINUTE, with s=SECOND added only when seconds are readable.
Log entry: h=9 m=15
